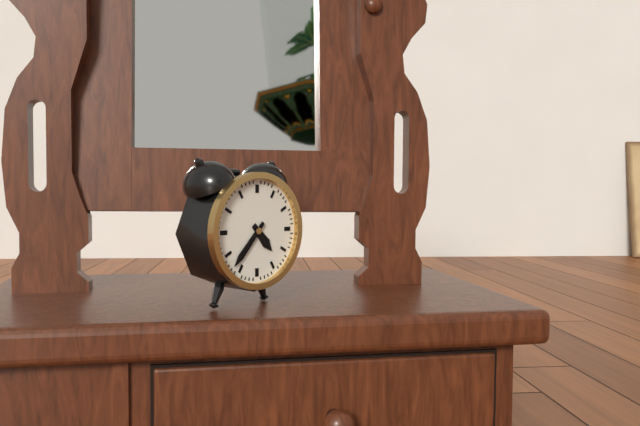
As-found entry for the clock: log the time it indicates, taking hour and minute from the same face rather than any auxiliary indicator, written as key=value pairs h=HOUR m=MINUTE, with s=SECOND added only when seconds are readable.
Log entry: h=4 m=37
